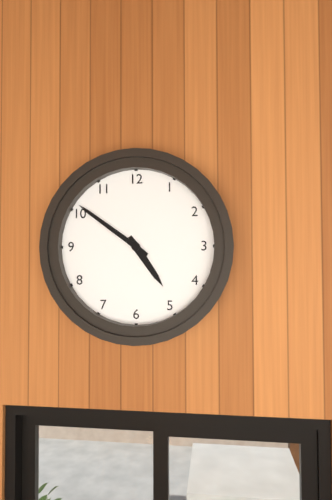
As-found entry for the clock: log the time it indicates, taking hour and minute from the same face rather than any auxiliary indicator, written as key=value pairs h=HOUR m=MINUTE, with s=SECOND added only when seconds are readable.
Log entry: h=4 m=51
